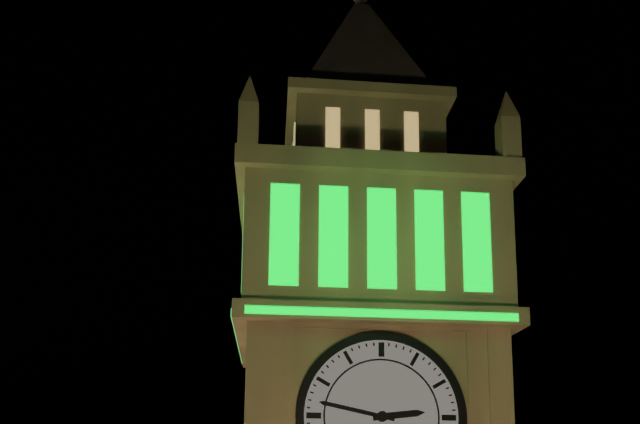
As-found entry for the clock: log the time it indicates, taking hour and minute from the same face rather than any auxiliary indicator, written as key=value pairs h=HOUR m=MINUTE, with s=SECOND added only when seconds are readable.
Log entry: h=2 m=47
